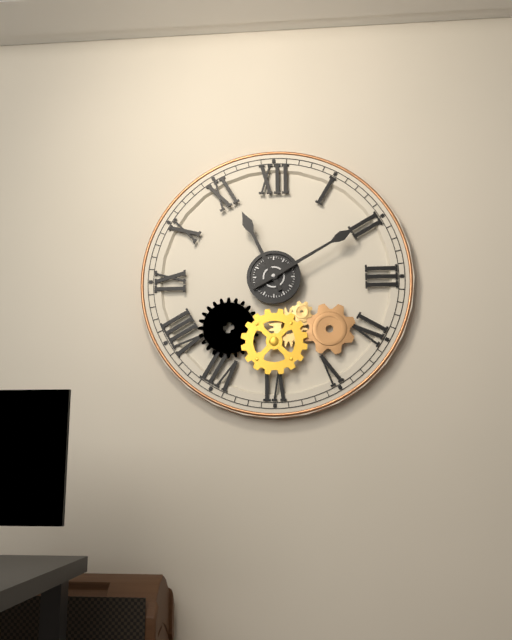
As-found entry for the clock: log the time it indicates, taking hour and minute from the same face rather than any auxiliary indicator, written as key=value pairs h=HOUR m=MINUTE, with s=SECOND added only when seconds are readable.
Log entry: h=11 m=10
